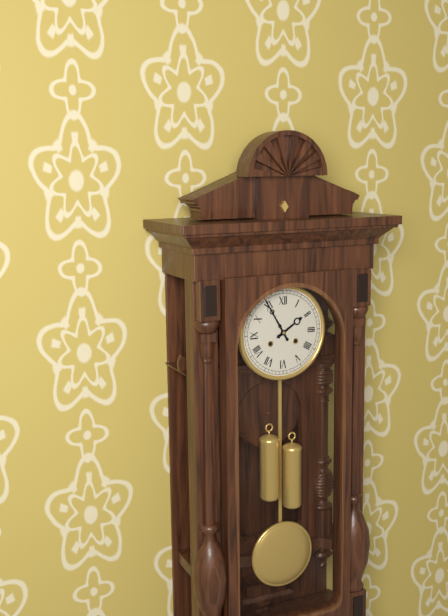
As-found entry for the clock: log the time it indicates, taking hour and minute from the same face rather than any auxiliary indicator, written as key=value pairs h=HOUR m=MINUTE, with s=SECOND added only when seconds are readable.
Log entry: h=1 m=55
